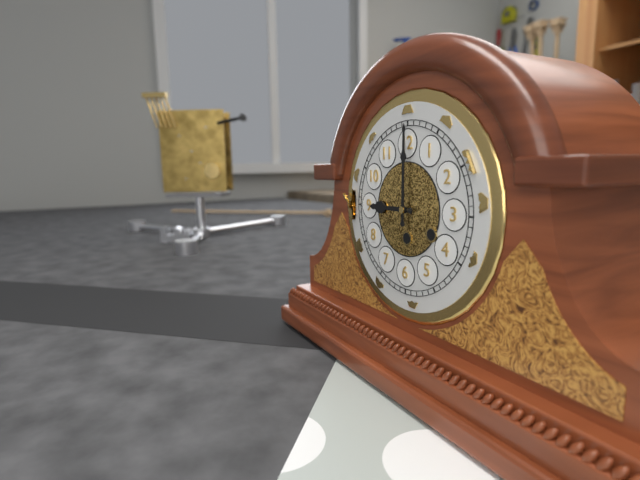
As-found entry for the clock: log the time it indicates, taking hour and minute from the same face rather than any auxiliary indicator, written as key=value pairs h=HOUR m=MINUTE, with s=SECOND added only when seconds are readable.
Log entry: h=9 m=0
